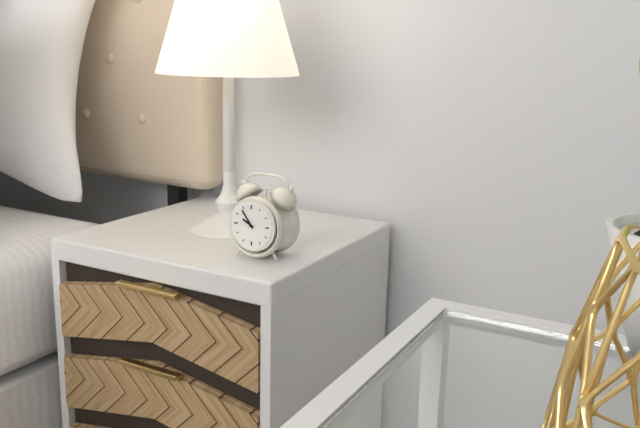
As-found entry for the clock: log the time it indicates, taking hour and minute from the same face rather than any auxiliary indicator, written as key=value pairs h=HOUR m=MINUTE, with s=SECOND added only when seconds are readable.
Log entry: h=9 m=54
